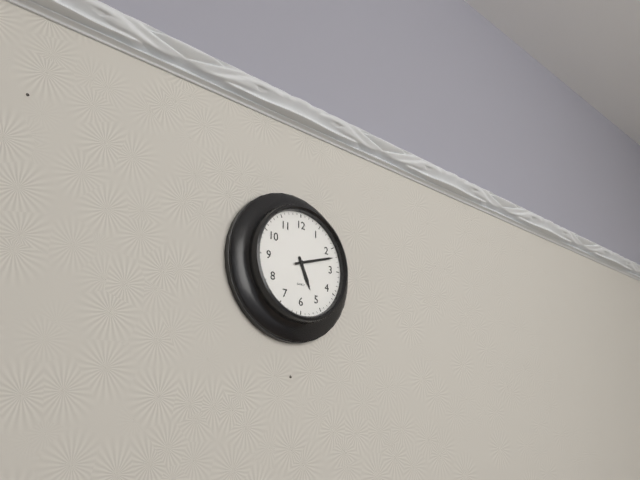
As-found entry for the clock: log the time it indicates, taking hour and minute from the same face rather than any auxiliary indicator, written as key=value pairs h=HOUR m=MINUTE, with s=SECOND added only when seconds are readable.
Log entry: h=5 m=12
